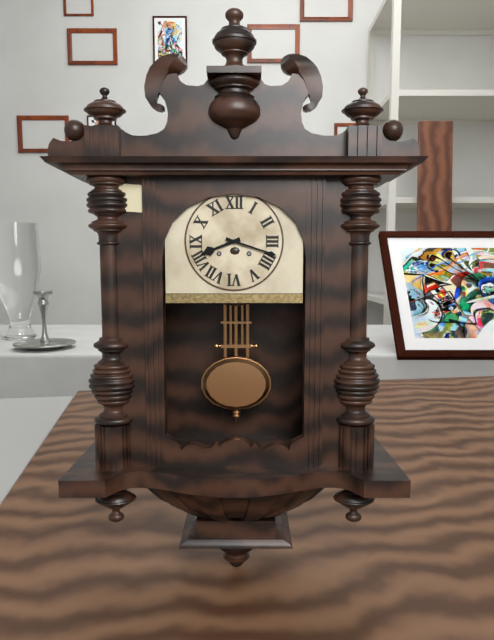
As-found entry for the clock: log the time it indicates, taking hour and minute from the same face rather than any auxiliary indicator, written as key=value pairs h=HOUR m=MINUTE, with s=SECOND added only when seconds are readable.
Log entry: h=8 m=18
